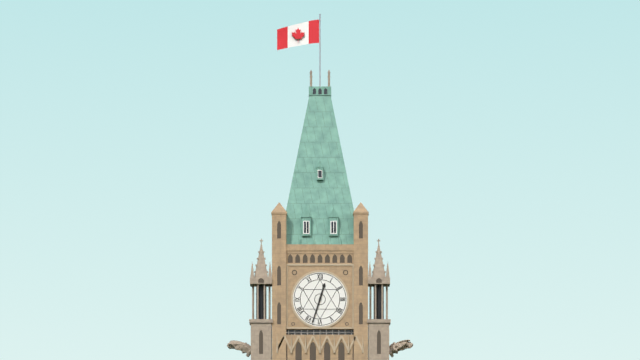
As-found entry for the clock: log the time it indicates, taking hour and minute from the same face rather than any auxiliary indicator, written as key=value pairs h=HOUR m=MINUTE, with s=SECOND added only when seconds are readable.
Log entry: h=12 m=33
